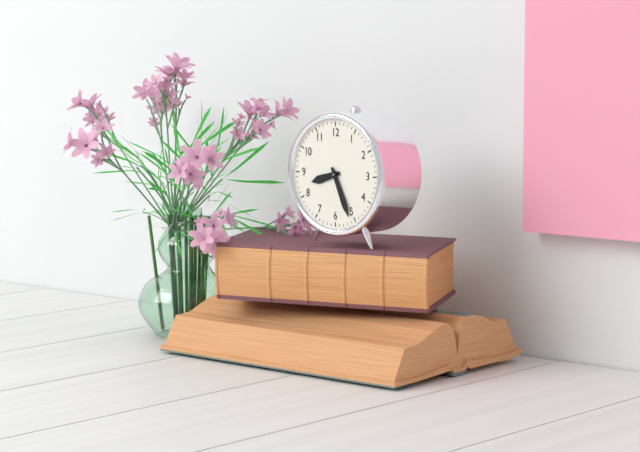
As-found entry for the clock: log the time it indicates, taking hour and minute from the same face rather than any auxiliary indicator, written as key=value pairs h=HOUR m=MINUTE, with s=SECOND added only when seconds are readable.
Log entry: h=8 m=26
